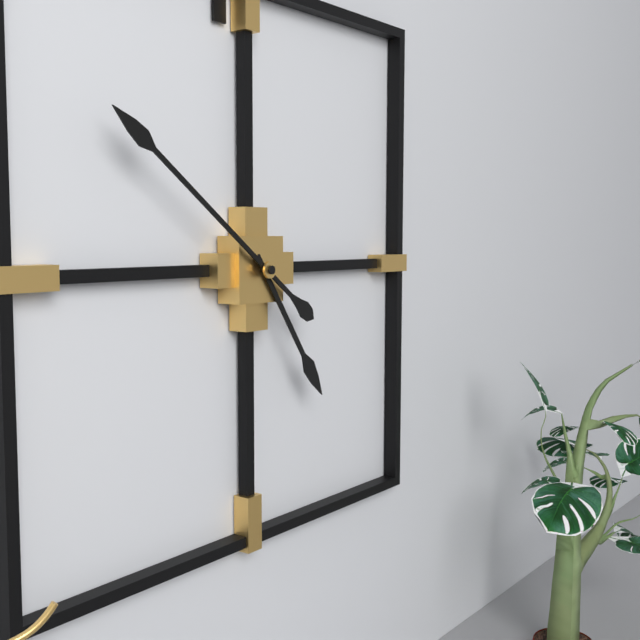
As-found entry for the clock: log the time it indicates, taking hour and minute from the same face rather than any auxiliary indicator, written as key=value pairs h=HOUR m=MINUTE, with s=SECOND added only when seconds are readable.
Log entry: h=4 m=51
